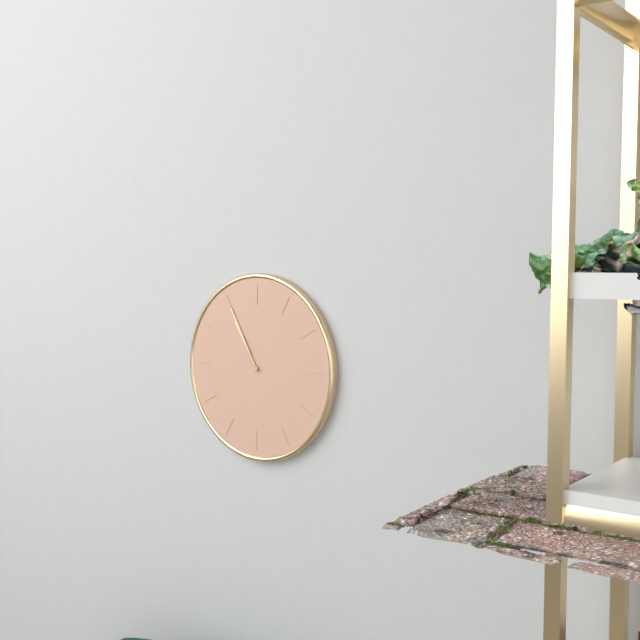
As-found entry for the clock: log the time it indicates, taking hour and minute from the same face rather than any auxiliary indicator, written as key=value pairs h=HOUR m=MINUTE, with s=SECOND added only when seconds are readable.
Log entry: h=10 m=55
